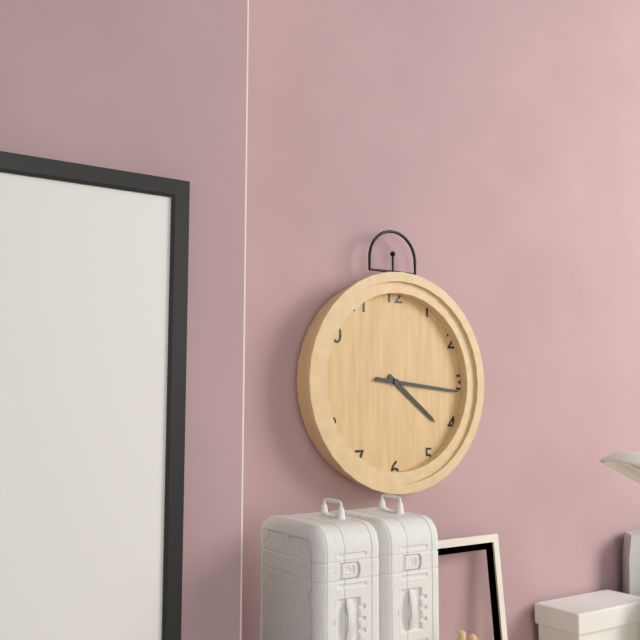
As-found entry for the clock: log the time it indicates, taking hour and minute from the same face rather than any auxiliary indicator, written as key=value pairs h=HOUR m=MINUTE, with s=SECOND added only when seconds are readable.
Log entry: h=4 m=16
